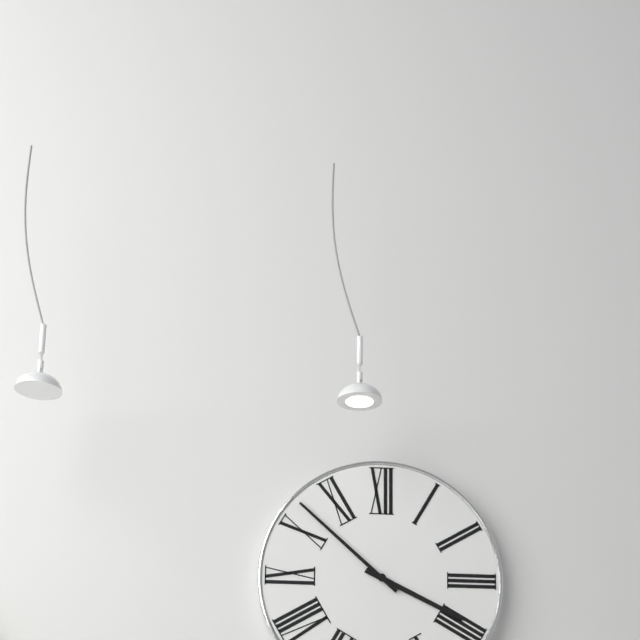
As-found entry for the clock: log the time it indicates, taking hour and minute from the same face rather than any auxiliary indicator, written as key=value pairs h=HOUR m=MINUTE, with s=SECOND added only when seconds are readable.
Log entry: h=3 m=52
